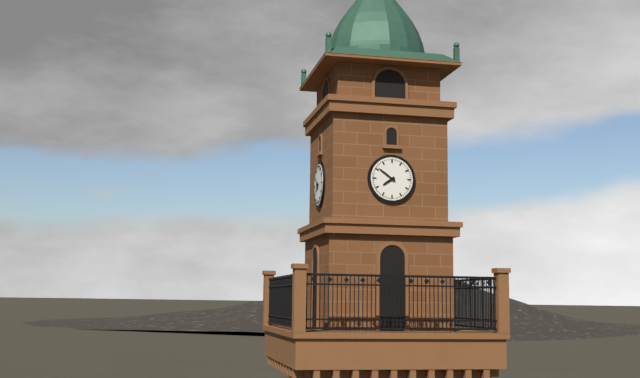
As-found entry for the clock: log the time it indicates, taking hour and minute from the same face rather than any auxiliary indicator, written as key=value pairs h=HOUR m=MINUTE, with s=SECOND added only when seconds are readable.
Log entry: h=7 m=51
